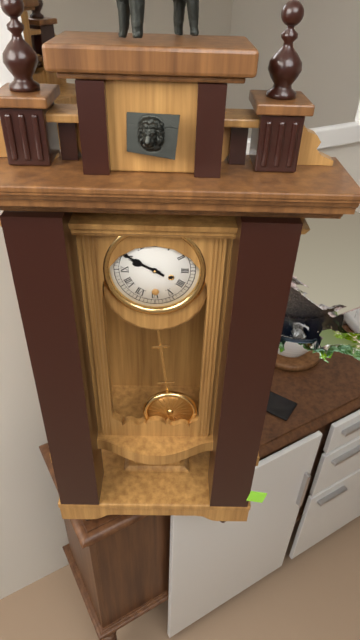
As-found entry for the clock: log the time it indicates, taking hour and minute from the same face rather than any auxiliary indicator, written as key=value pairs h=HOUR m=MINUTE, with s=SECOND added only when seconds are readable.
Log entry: h=9 m=50
